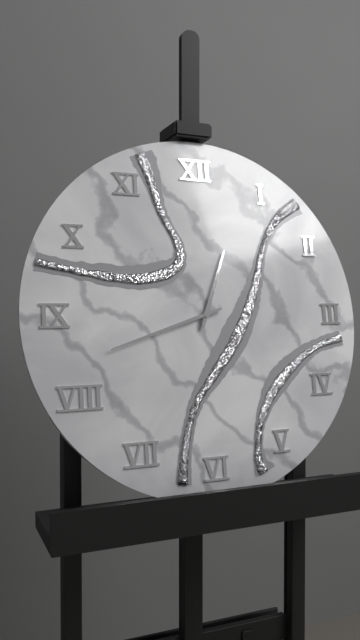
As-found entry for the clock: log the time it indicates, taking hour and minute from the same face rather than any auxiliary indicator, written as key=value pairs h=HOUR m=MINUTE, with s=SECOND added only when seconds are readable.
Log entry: h=12 m=42
